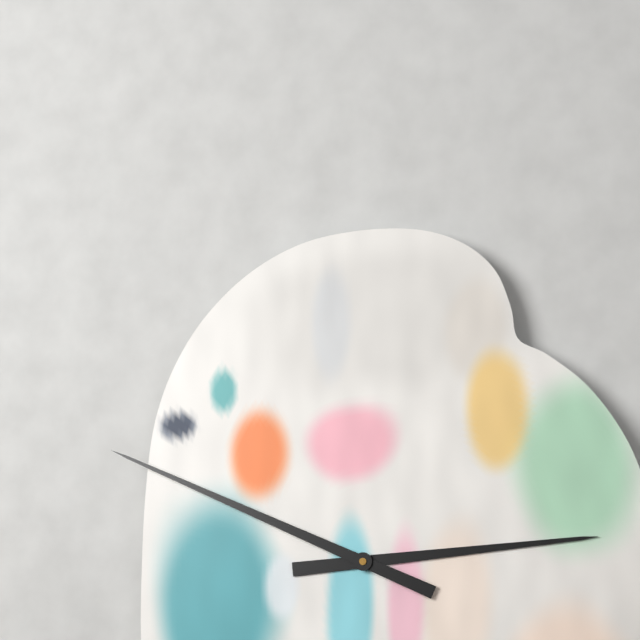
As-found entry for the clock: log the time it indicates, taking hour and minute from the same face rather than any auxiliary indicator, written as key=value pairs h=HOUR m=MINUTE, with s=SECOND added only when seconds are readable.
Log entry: h=2 m=49
